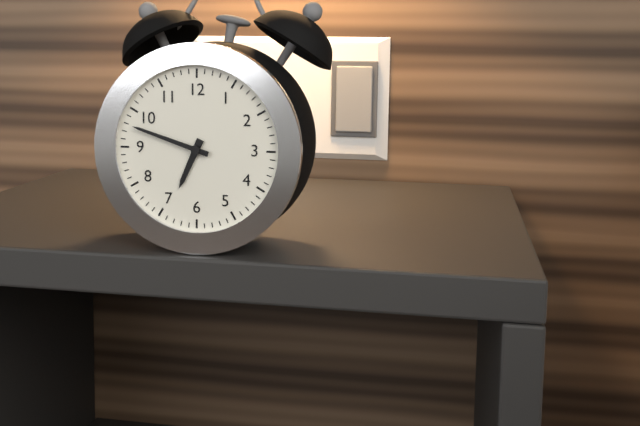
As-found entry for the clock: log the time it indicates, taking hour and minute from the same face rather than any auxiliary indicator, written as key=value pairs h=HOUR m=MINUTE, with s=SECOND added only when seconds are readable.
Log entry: h=6 m=48
